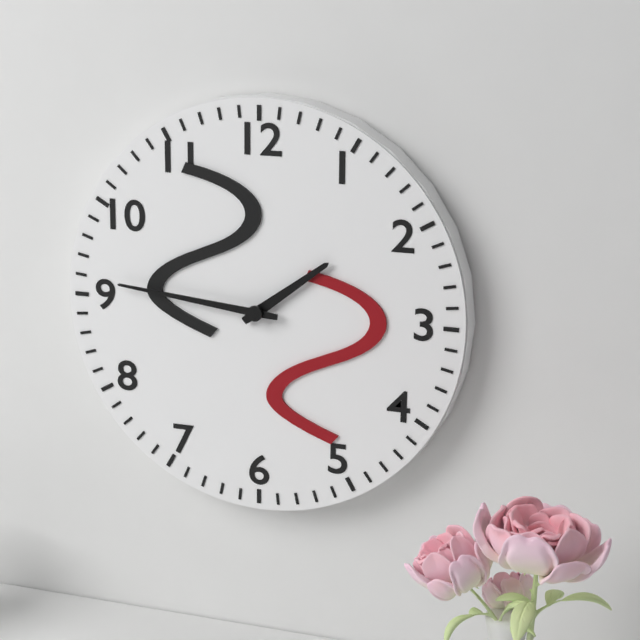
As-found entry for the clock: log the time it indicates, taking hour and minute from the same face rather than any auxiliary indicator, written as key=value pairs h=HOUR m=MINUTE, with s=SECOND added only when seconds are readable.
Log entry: h=1 m=46
